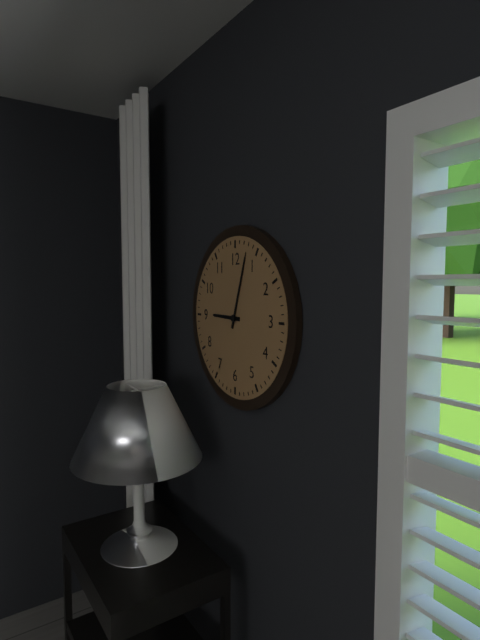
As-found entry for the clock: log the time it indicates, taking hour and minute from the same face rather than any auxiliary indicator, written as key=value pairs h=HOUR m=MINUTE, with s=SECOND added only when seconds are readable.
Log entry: h=9 m=3
